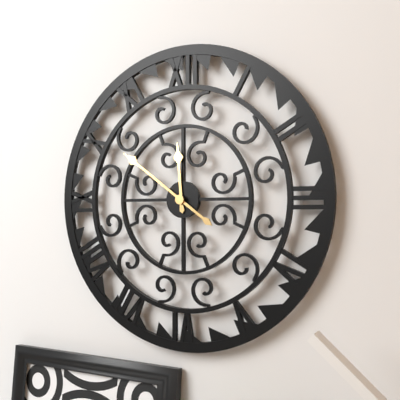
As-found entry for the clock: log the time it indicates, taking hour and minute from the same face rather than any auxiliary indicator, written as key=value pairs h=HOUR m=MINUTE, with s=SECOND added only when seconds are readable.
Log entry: h=11 m=51
